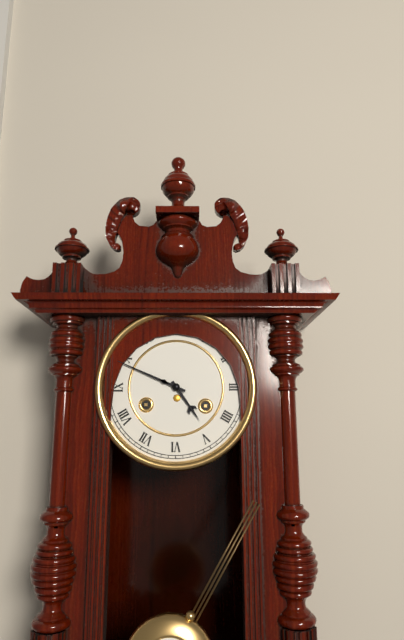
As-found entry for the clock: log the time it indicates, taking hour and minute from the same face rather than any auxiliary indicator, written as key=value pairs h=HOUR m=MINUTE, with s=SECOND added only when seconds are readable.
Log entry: h=4 m=49
